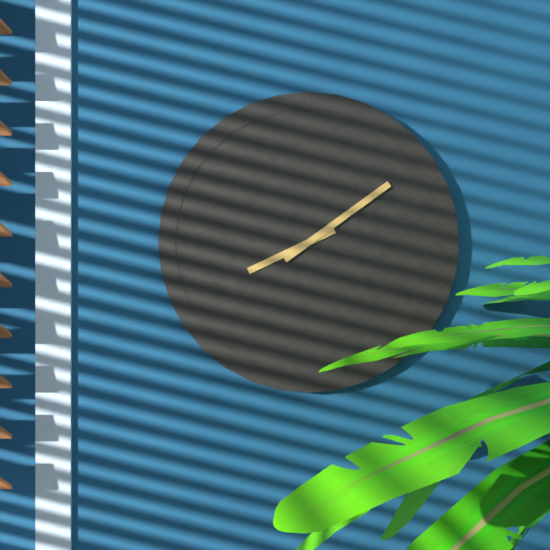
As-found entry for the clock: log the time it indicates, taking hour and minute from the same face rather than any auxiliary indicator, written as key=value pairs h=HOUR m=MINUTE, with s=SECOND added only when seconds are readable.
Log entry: h=8 m=9
